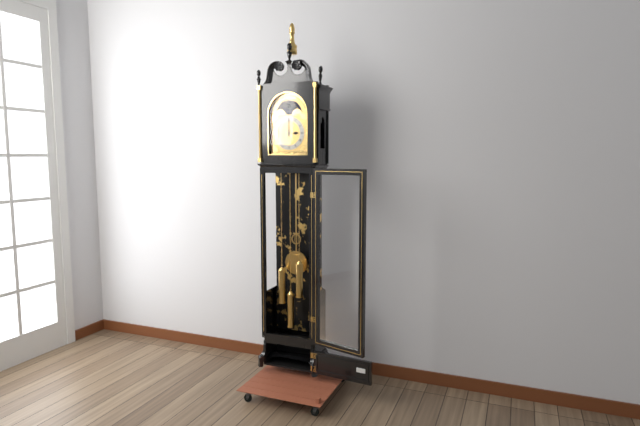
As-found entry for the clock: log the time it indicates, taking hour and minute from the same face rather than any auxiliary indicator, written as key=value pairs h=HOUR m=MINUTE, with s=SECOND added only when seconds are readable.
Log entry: h=3 m=0
